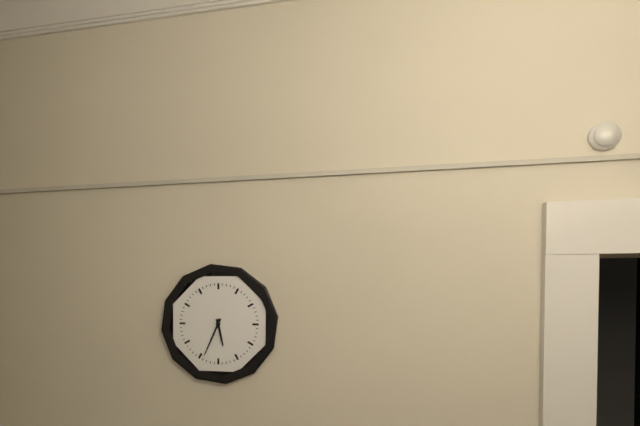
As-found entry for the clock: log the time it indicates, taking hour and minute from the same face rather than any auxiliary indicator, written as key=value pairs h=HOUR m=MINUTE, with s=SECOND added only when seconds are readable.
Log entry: h=5 m=34
